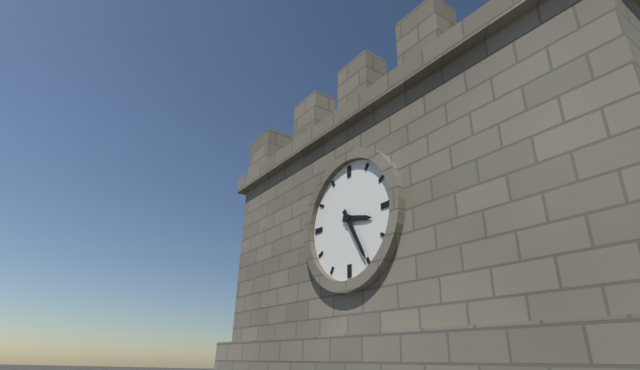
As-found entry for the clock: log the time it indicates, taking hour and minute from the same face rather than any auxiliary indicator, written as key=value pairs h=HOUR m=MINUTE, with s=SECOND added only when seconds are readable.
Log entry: h=3 m=25
